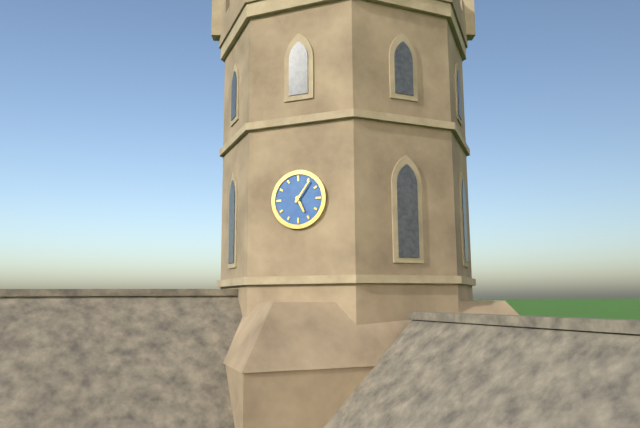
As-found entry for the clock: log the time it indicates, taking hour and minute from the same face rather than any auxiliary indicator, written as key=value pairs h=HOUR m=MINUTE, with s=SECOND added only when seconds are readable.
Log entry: h=5 m=6
